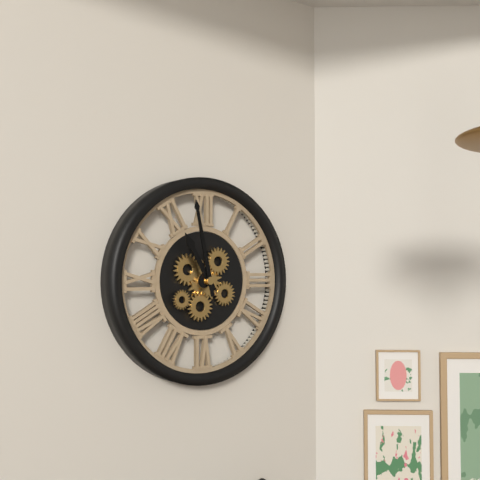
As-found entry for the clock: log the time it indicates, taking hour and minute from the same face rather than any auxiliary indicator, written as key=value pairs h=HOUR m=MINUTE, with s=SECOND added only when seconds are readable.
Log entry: h=10 m=58
